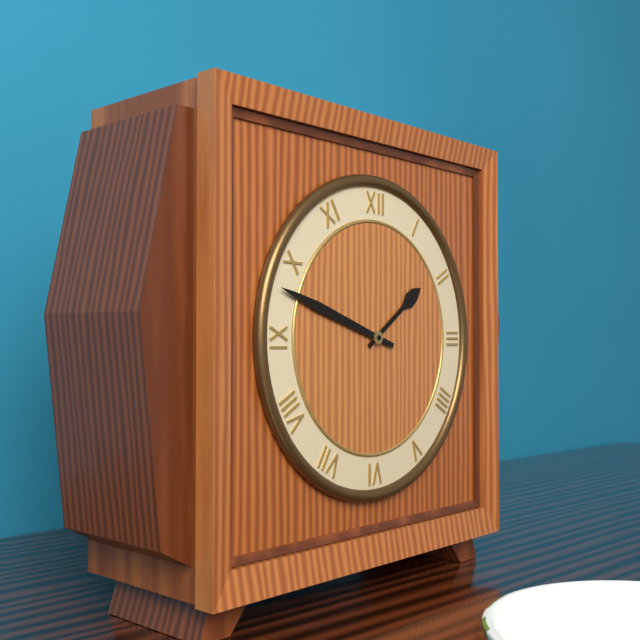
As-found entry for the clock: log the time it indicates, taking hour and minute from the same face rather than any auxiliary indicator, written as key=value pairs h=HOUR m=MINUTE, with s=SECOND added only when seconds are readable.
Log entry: h=1 m=48
